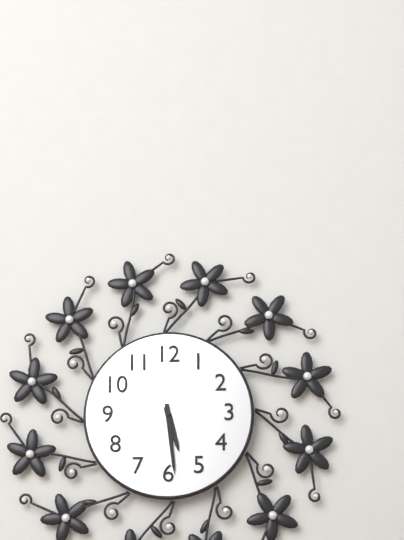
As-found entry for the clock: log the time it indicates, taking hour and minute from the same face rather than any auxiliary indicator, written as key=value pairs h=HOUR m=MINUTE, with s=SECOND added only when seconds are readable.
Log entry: h=5 m=29
